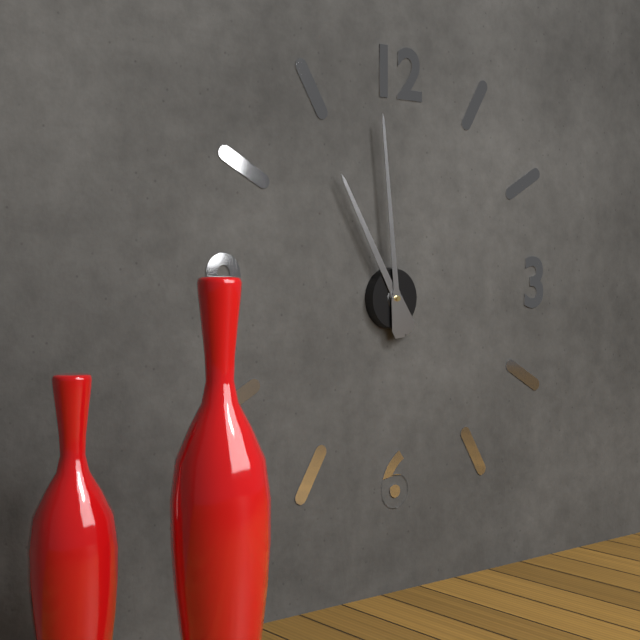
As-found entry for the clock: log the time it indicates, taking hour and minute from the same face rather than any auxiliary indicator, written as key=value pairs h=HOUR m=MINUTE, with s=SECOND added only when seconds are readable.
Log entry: h=10 m=59
